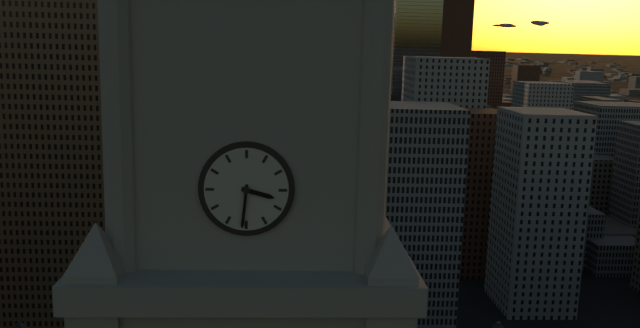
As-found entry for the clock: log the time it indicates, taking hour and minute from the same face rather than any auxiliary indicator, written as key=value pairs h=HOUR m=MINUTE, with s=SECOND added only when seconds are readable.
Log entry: h=3 m=31
